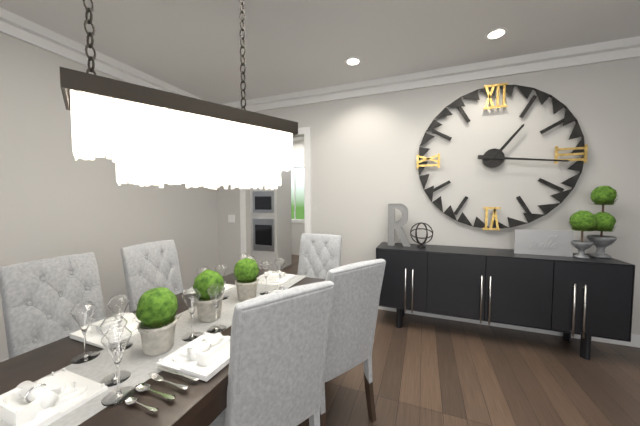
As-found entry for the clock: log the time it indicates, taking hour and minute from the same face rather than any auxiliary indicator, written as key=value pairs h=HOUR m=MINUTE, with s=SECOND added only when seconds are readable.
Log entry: h=1 m=16
